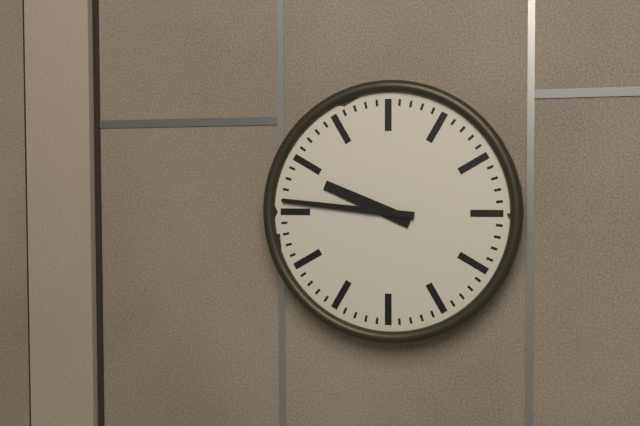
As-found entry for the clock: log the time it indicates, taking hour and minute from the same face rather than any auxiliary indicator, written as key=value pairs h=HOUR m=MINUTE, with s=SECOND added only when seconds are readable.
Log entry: h=9 m=46
